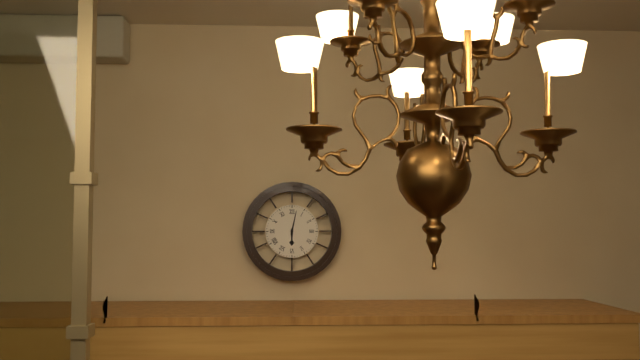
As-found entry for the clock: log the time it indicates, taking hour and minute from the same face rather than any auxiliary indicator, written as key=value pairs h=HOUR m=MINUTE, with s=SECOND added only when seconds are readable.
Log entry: h=6 m=2
